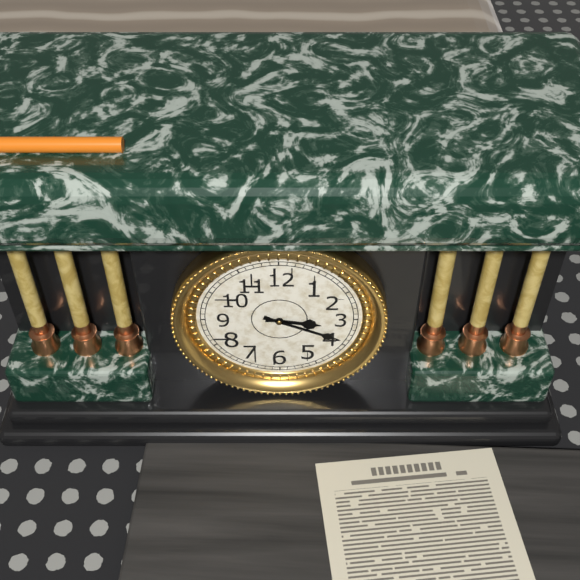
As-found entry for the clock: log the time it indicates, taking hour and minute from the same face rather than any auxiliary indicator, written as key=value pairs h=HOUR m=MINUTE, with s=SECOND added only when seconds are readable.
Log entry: h=3 m=19
